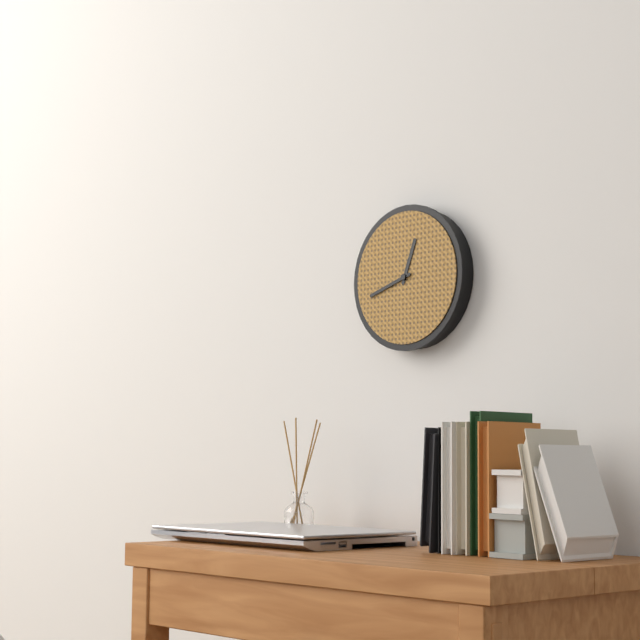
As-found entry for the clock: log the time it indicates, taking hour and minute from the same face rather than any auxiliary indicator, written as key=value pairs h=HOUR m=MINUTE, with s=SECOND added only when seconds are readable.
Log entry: h=12 m=42
